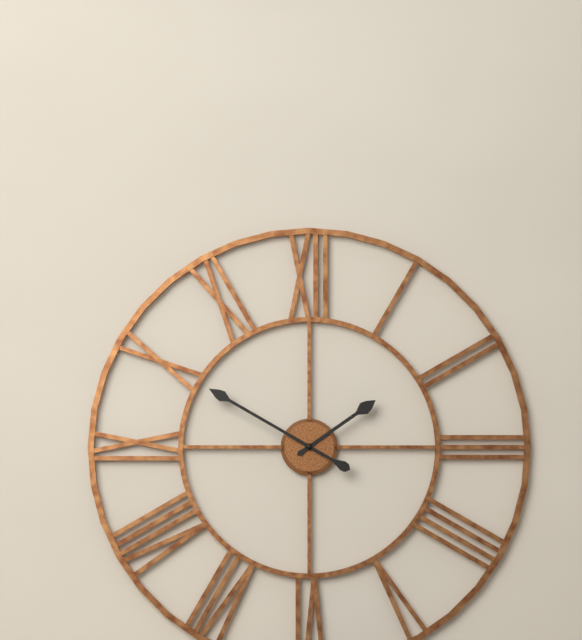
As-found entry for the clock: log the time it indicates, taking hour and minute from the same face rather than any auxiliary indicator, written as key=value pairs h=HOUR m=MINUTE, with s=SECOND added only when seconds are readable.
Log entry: h=1 m=50
